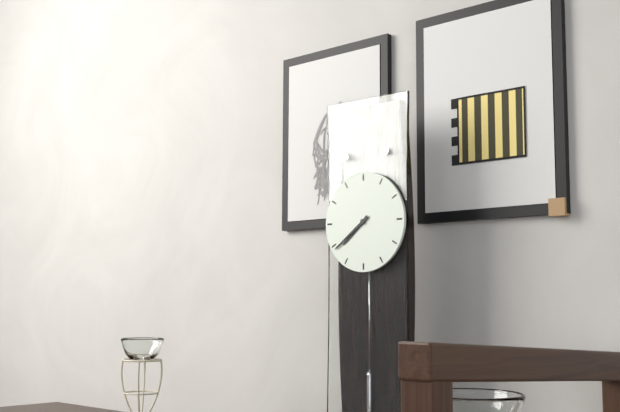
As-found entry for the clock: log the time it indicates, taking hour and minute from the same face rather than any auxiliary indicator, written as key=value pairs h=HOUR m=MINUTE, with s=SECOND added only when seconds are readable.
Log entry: h=7 m=39
